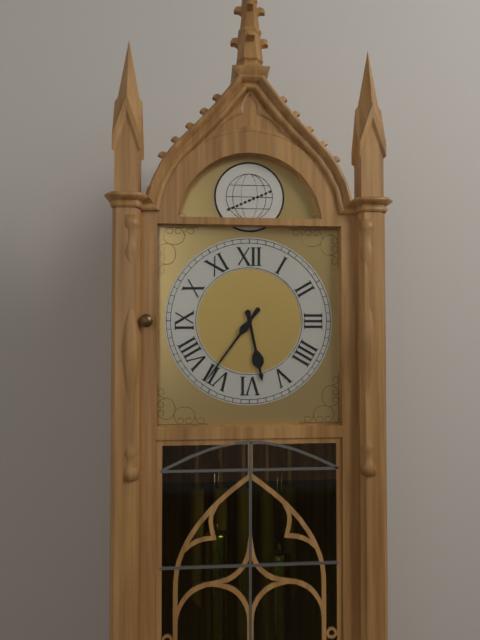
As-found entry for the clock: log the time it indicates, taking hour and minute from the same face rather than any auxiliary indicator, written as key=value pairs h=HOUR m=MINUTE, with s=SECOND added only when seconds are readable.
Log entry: h=5 m=36
